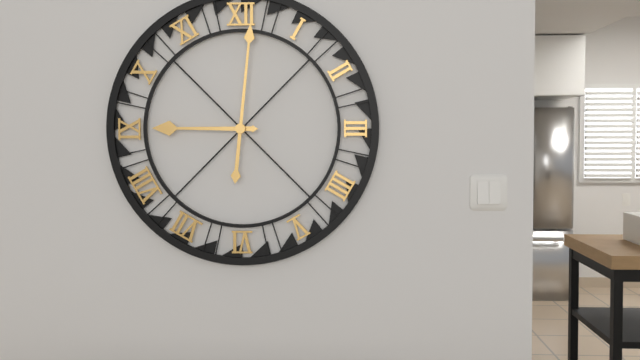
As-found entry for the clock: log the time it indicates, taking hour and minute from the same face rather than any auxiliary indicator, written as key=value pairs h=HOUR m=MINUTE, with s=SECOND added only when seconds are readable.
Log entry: h=9 m=1
